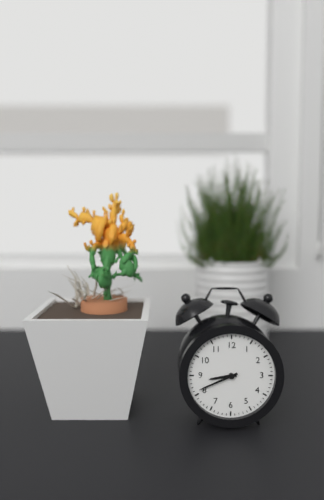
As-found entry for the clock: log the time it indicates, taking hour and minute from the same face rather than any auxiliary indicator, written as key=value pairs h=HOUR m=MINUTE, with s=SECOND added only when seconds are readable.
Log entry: h=8 m=41
